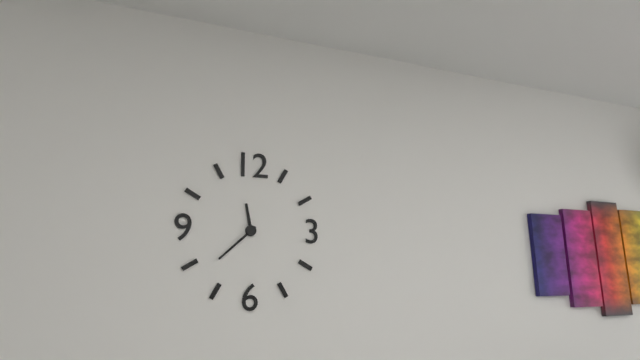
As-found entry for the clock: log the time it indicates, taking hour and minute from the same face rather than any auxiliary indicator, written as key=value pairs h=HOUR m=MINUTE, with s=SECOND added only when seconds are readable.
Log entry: h=11 m=38
